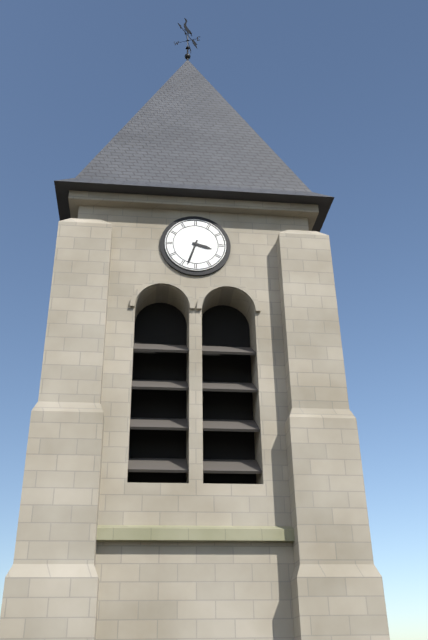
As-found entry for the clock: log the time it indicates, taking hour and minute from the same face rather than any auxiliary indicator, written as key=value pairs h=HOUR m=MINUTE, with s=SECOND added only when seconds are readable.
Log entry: h=3 m=33
